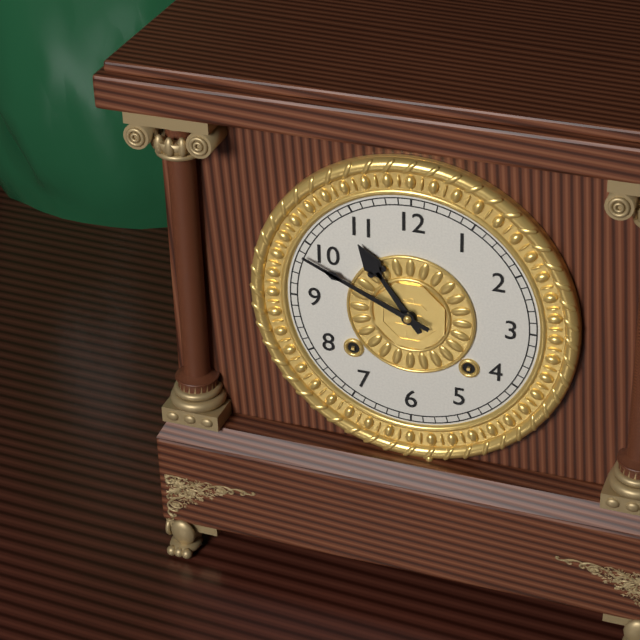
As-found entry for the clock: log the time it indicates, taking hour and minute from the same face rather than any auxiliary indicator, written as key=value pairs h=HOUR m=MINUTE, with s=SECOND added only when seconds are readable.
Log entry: h=10 m=49
